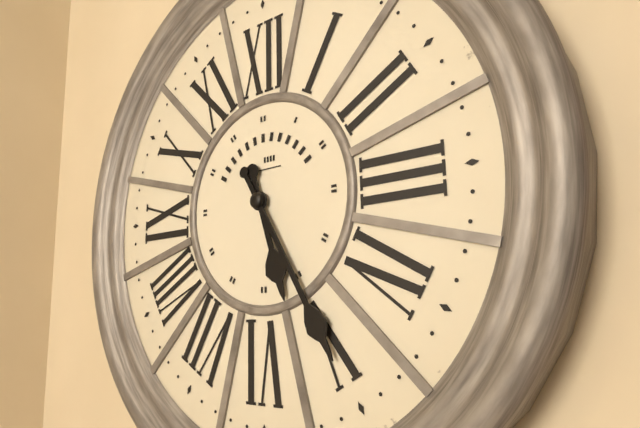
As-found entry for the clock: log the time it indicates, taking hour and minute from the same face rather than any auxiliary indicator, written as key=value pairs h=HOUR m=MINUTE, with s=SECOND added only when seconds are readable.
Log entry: h=5 m=25
